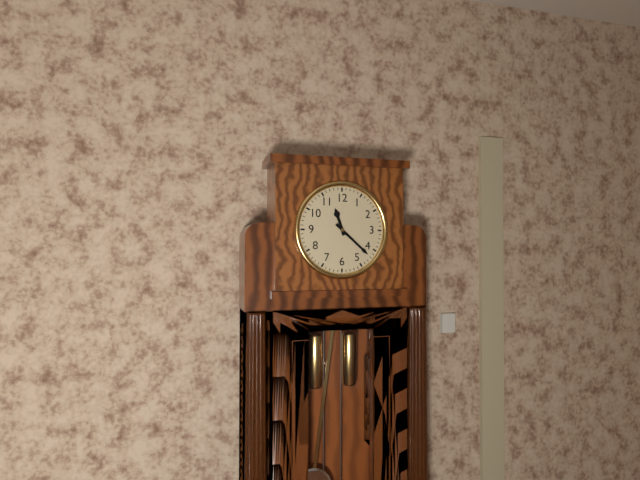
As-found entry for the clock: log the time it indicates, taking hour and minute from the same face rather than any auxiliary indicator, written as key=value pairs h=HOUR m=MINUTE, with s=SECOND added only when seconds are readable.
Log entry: h=11 m=22
